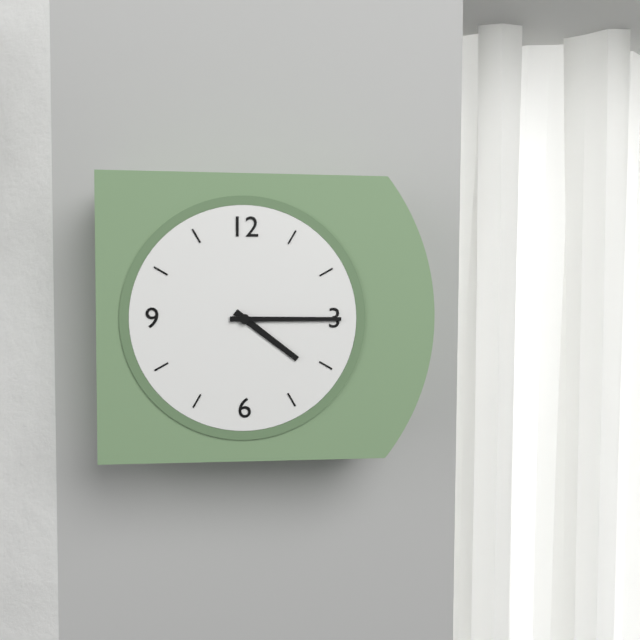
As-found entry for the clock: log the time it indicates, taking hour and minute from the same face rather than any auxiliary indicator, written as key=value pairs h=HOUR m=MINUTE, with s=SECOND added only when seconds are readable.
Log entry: h=4 m=15
